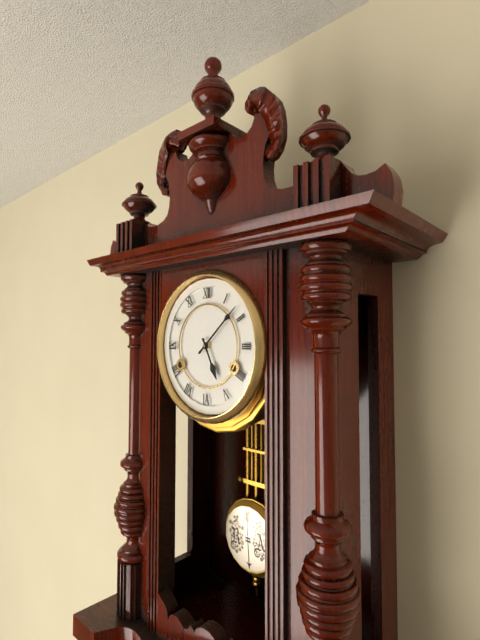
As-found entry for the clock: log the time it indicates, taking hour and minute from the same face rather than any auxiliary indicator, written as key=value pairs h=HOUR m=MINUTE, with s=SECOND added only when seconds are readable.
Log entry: h=5 m=8
